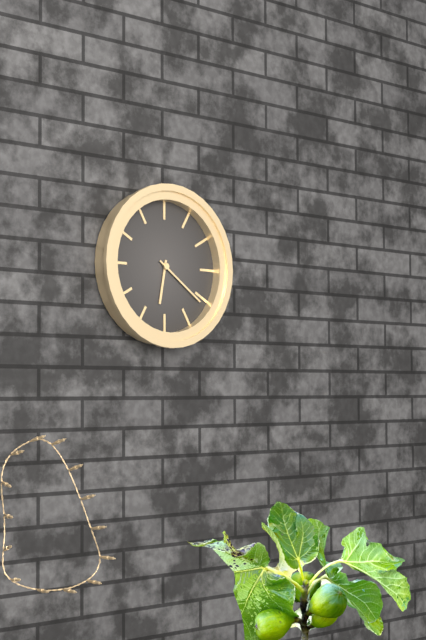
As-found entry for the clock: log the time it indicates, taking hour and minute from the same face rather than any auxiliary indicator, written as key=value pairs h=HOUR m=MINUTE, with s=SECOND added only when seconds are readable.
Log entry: h=6 m=21
